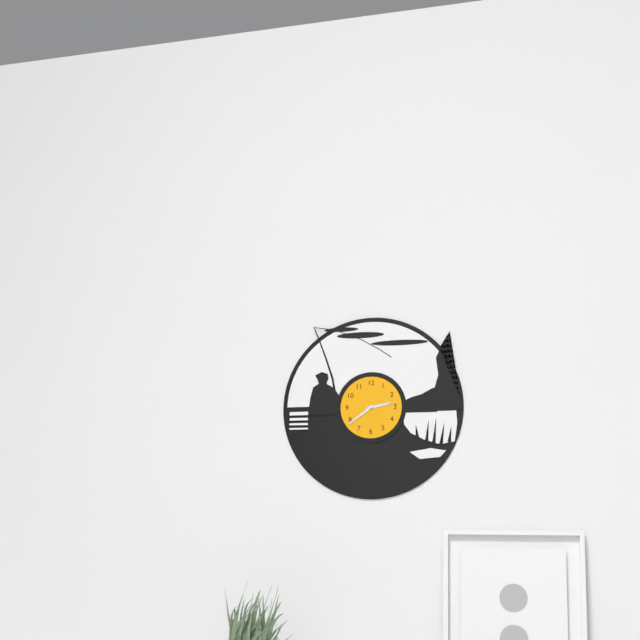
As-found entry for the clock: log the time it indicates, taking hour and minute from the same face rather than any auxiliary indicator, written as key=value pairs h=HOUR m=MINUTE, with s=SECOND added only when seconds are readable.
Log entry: h=2 m=39
